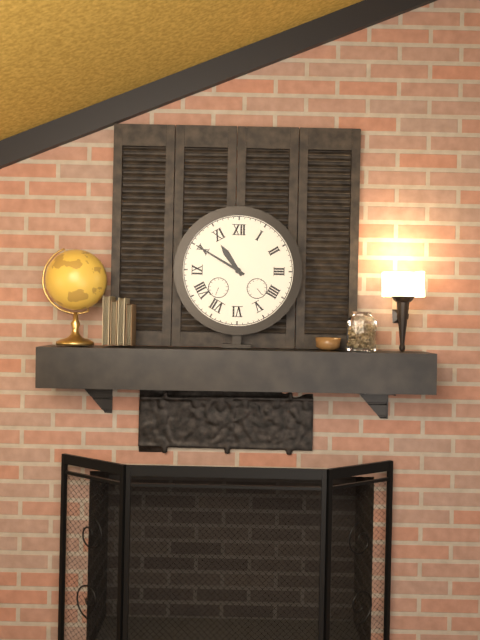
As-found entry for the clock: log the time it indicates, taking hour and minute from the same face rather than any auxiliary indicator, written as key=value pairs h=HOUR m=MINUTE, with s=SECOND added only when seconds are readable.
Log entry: h=10 m=50
